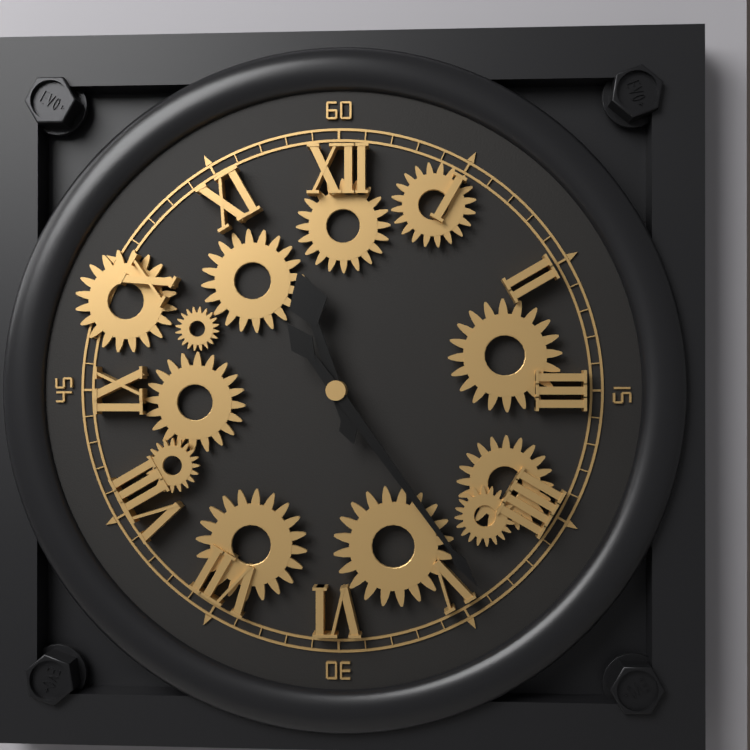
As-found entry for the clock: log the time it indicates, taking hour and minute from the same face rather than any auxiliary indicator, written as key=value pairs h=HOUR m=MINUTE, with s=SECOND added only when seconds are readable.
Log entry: h=11 m=24
